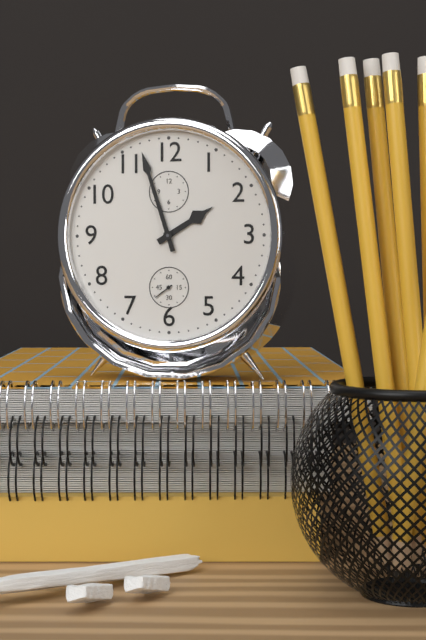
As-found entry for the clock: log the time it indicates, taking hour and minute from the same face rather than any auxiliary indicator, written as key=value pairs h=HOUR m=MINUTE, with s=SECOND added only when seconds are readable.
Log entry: h=1 m=57
